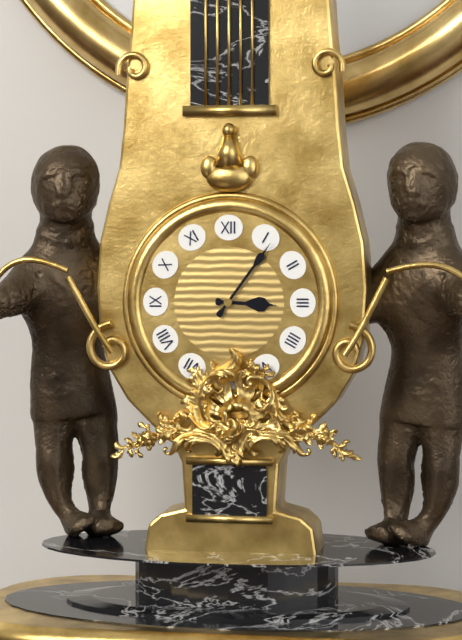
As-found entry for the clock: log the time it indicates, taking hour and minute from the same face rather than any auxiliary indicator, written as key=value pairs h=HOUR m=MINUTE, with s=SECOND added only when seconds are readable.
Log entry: h=3 m=6
